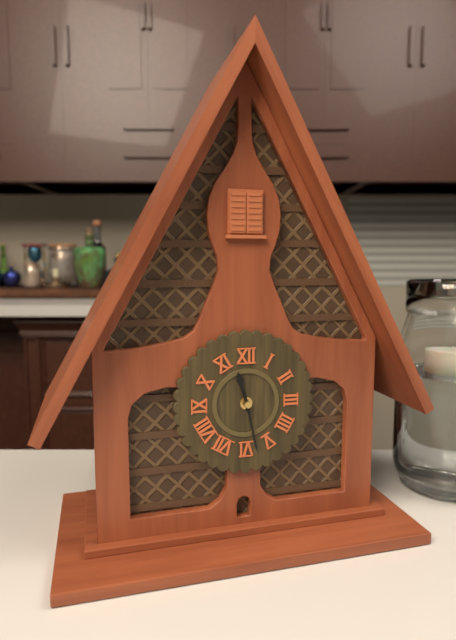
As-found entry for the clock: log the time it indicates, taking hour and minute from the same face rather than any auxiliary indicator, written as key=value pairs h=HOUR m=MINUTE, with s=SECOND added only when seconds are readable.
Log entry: h=11 m=28
